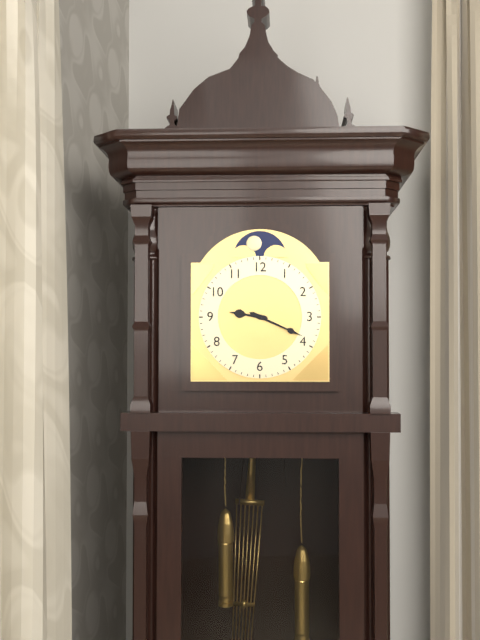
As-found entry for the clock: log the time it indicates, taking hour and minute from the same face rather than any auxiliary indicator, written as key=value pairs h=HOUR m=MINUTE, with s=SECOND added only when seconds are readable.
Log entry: h=9 m=19
